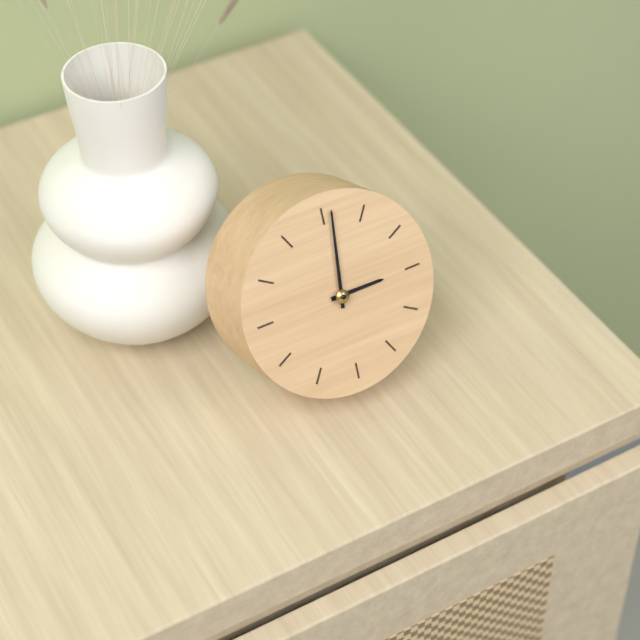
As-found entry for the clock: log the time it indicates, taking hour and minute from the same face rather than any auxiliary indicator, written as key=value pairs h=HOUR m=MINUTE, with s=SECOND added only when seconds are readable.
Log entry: h=3 m=1
